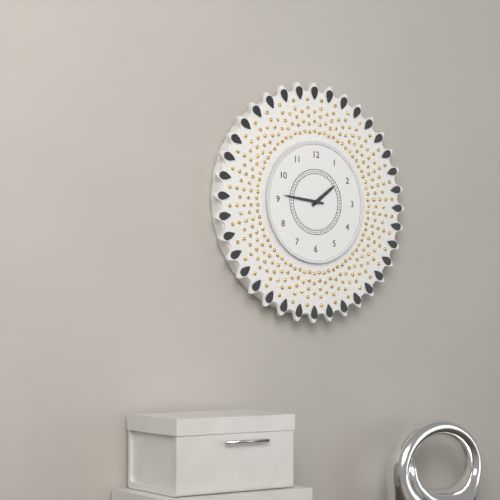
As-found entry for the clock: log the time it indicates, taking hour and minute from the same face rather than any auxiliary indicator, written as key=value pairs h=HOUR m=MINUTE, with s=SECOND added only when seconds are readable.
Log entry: h=1 m=46
